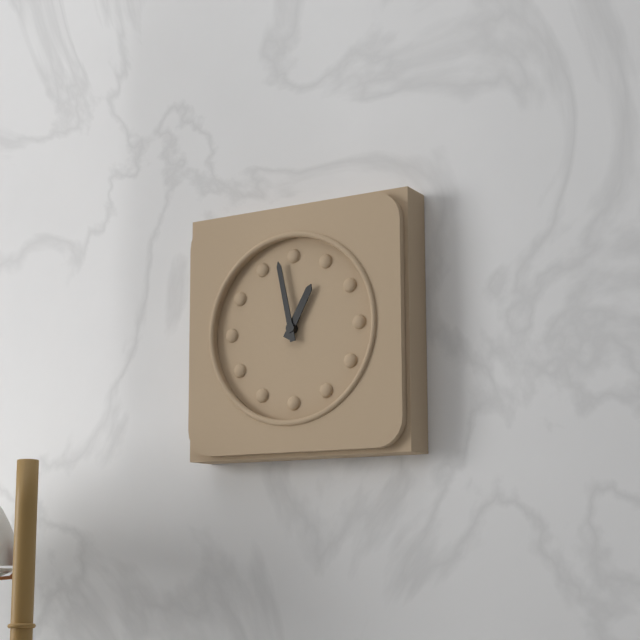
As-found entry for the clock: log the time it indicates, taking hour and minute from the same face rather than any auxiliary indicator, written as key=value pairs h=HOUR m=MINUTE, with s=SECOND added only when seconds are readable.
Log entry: h=12 m=58
